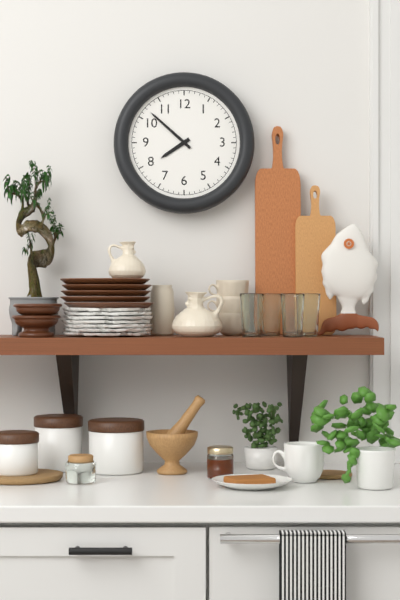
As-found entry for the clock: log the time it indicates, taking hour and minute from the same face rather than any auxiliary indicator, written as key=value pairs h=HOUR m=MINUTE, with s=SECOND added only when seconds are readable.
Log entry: h=7 m=52
